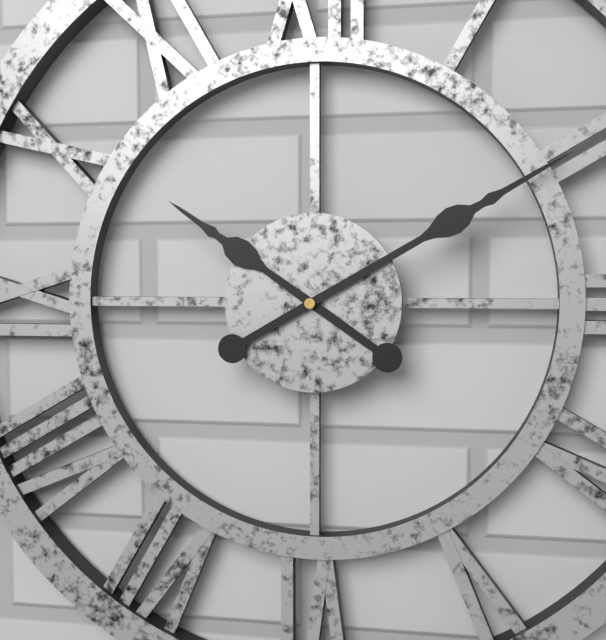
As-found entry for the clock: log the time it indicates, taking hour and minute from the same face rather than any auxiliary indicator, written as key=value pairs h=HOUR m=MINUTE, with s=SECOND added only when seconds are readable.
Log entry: h=10 m=10
